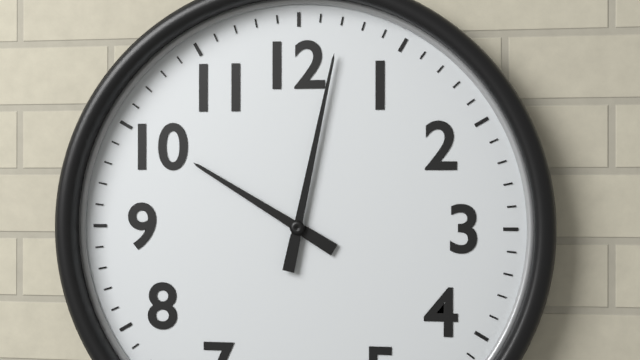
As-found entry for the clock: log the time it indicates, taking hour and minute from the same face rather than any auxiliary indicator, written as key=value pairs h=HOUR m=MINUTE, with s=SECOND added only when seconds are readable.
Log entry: h=10 m=2
